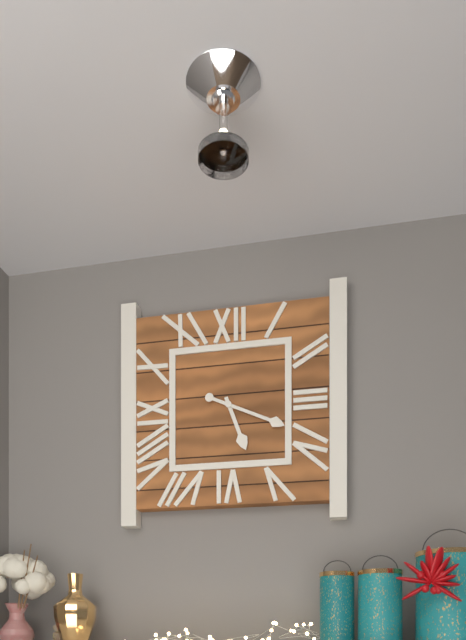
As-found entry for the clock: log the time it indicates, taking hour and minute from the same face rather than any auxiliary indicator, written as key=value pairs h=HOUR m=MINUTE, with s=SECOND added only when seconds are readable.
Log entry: h=5 m=19
